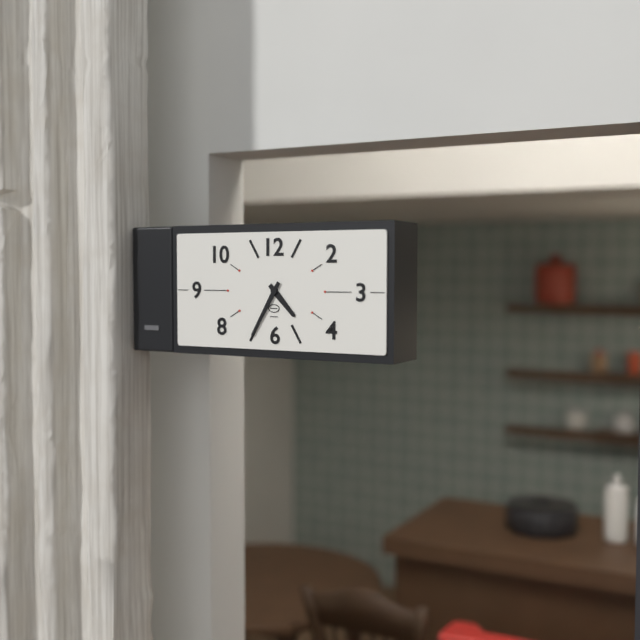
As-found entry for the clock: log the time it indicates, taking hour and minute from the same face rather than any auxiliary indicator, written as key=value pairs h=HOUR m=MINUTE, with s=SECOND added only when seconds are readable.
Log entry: h=4 m=35
